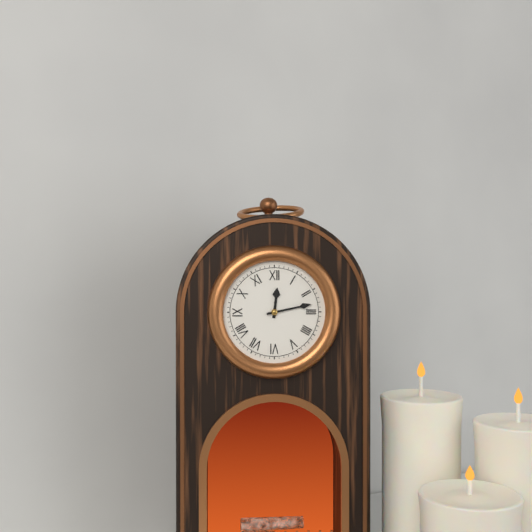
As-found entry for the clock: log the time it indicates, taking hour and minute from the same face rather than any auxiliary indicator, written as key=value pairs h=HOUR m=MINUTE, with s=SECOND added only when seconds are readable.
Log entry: h=12 m=13
